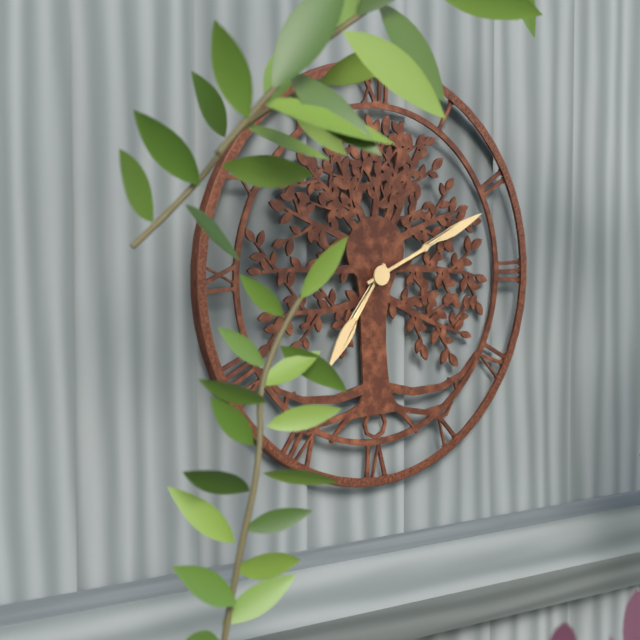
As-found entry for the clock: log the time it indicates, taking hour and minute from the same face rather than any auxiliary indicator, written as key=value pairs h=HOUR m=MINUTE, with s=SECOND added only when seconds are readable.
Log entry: h=7 m=11
